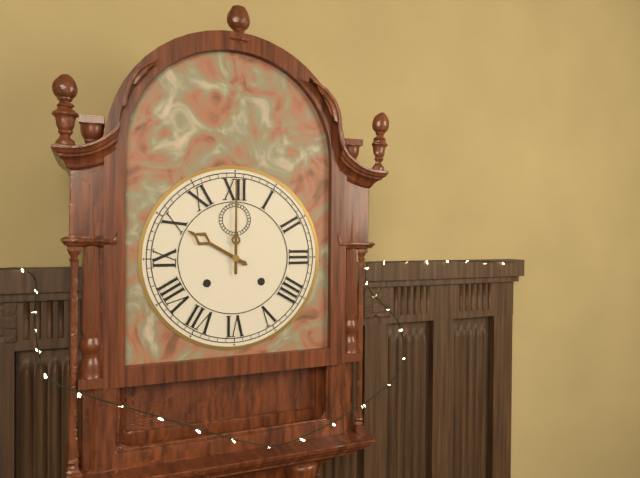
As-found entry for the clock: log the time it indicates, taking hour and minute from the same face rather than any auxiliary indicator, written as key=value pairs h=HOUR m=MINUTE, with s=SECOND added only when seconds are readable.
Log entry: h=10 m=0
